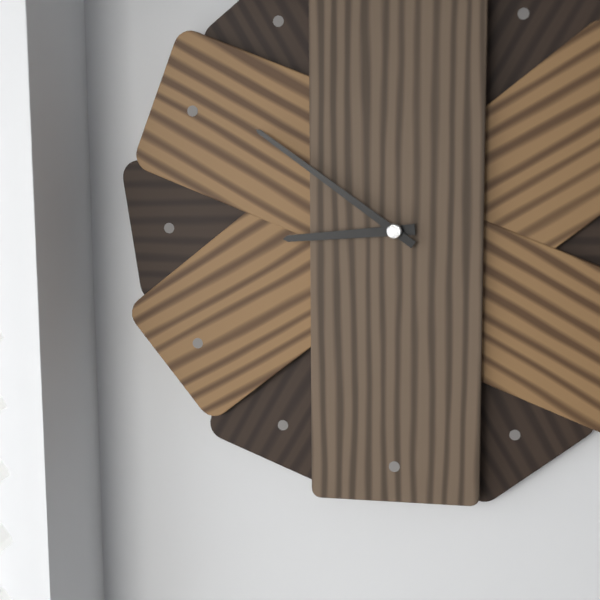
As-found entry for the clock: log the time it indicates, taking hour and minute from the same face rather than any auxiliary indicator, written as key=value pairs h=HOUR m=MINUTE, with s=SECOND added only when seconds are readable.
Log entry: h=8 m=51
